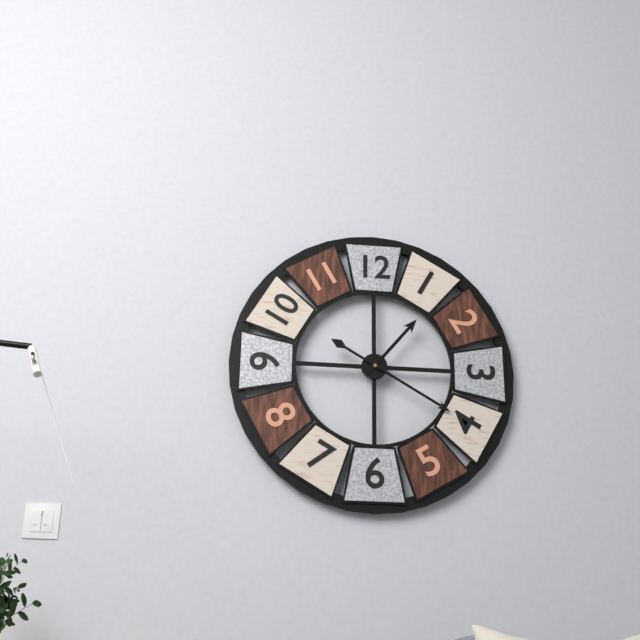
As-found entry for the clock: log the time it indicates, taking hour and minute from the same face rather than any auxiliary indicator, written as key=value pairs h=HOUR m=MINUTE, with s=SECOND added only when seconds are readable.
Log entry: h=1 m=20
